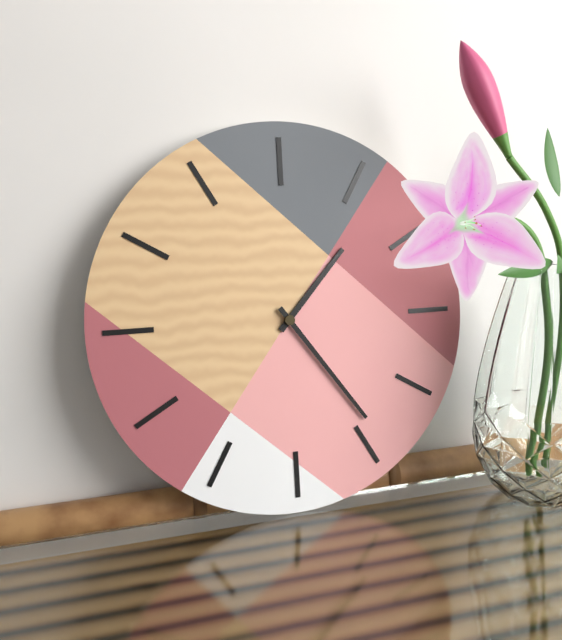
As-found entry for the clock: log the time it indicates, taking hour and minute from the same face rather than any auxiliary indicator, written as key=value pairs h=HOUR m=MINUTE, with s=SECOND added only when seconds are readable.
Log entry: h=1 m=24
